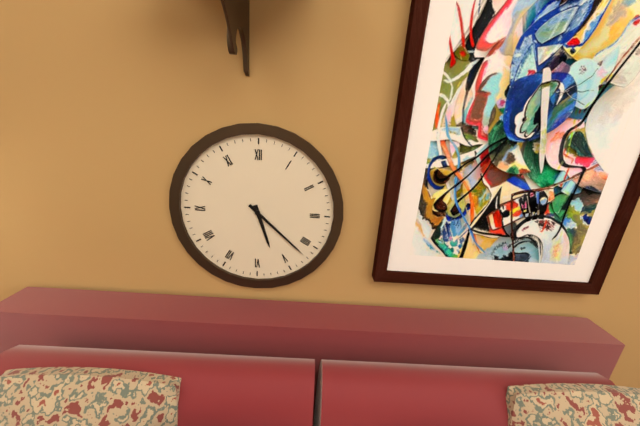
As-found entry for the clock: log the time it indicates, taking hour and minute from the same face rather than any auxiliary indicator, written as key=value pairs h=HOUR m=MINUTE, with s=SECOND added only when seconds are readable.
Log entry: h=5 m=22
